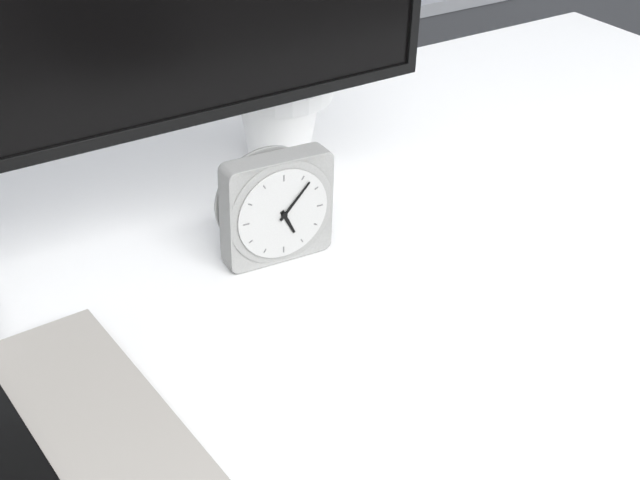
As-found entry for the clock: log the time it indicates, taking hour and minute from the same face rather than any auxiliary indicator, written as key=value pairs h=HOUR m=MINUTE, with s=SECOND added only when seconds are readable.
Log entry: h=5 m=7
